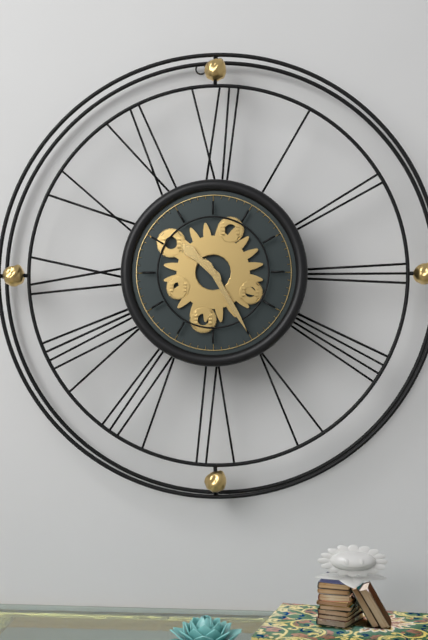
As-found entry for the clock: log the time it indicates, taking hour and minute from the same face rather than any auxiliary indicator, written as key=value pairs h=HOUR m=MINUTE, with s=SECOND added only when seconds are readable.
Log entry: h=10 m=25
